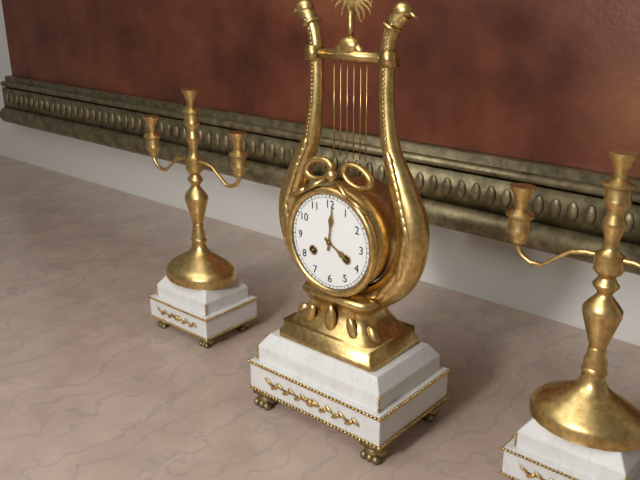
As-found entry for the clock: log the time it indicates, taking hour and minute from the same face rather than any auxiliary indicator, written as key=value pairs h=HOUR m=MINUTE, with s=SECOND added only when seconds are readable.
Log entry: h=4 m=1
